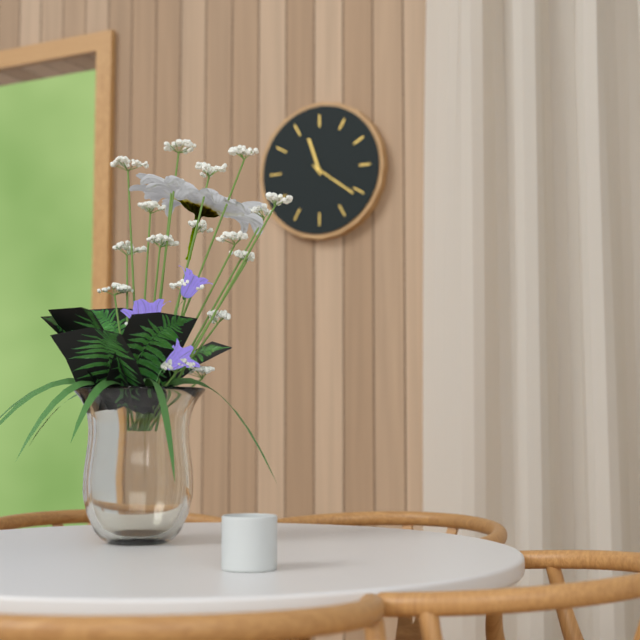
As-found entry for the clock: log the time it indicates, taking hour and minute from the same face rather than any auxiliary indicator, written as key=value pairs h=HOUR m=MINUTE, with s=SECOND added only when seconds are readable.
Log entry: h=11 m=21
